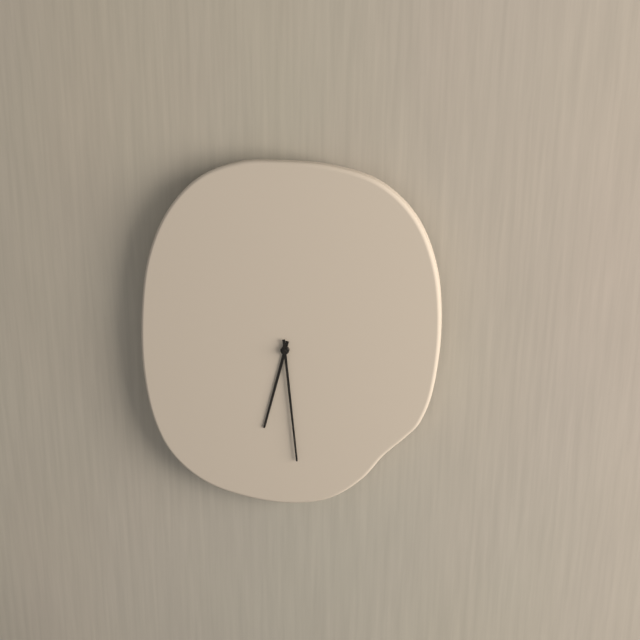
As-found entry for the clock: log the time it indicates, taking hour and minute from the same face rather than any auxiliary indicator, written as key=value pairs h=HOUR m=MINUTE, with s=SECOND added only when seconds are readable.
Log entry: h=6 m=29
